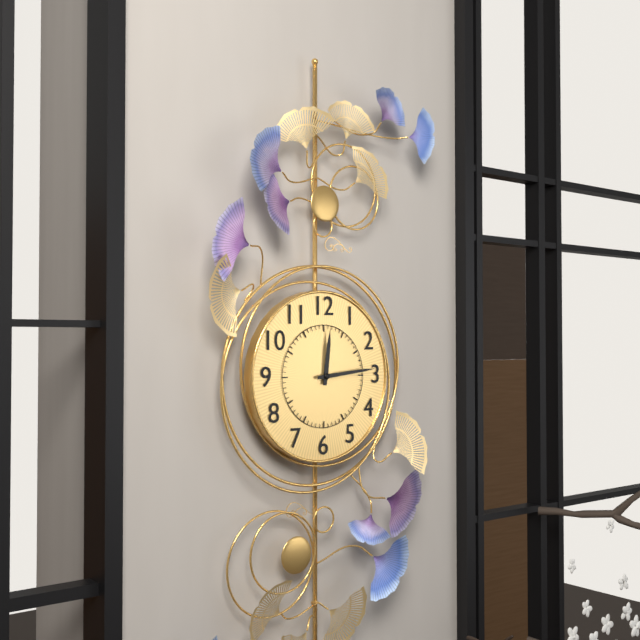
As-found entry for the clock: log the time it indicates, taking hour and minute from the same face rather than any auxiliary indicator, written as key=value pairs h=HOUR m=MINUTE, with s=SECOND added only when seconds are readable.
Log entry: h=12 m=14
